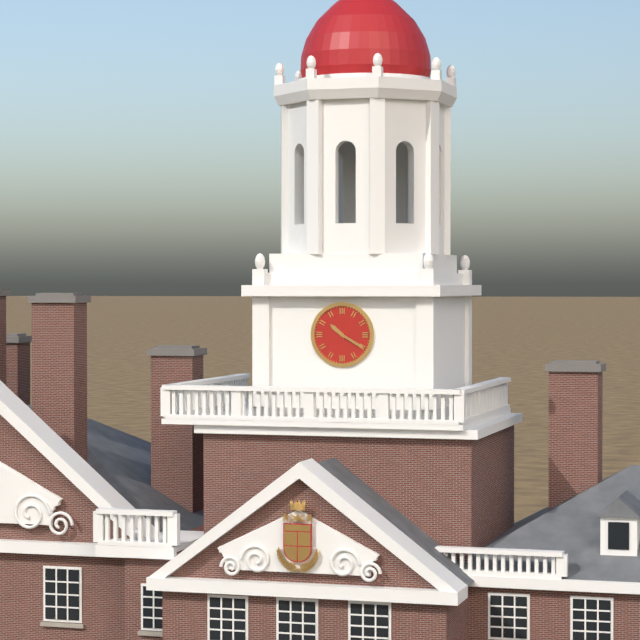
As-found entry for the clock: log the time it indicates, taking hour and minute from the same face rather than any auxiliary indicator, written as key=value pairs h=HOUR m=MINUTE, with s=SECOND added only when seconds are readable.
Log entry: h=10 m=20
